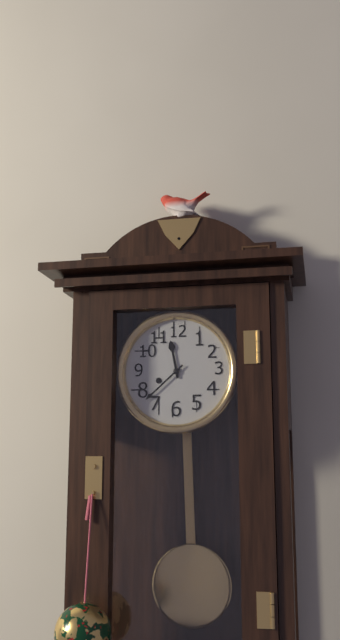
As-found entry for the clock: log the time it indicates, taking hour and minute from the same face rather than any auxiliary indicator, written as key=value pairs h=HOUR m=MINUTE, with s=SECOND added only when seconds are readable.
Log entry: h=11 m=38
